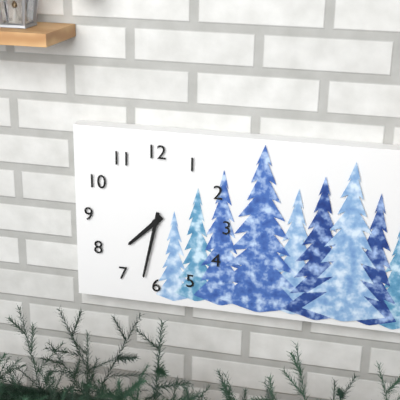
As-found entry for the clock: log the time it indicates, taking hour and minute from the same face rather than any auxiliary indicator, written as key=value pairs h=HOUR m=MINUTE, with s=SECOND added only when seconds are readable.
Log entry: h=7 m=32
